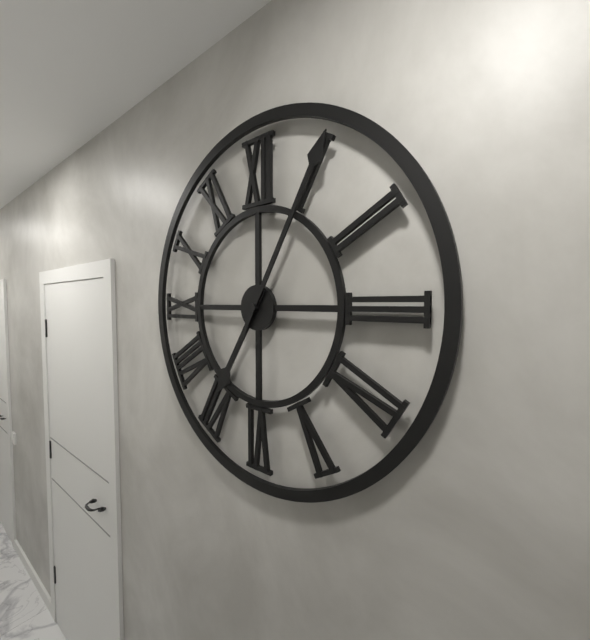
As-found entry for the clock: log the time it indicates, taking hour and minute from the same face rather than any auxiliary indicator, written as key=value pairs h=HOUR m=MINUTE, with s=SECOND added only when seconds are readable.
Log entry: h=7 m=5
